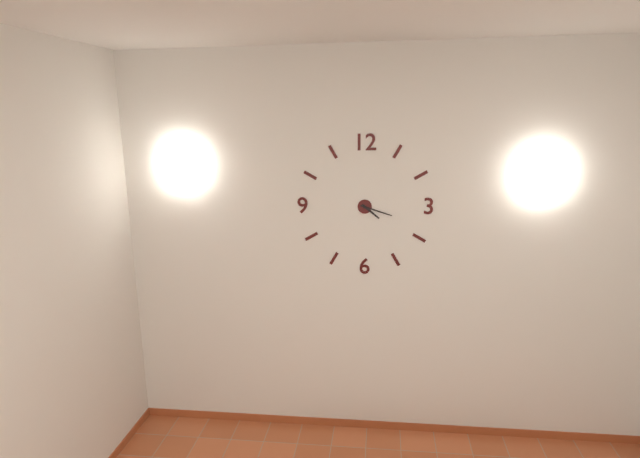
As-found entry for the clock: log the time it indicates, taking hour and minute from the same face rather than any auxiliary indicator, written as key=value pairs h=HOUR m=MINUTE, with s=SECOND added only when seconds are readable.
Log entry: h=4 m=18
